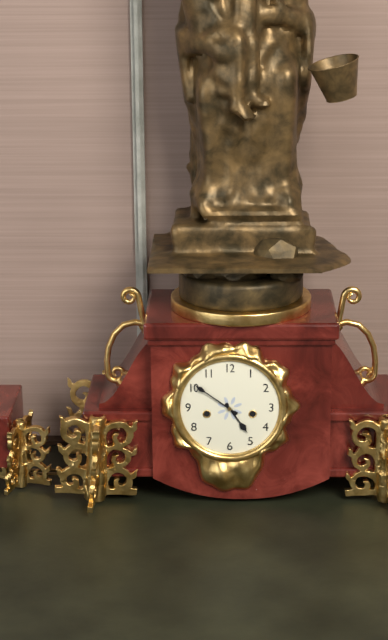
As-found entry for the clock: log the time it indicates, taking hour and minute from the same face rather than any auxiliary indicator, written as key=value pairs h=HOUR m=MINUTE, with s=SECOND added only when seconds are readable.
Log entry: h=4 m=51
